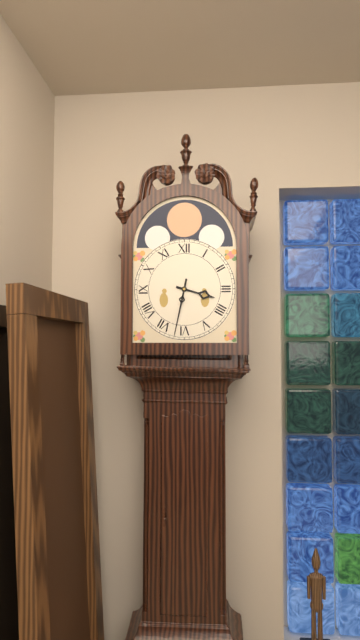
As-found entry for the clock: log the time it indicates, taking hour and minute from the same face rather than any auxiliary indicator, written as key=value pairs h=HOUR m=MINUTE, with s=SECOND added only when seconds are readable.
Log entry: h=3 m=32
